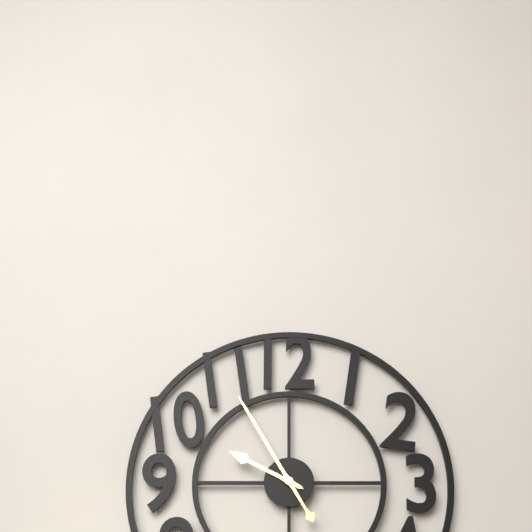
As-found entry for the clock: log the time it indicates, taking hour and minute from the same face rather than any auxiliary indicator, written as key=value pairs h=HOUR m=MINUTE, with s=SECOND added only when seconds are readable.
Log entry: h=9 m=55
